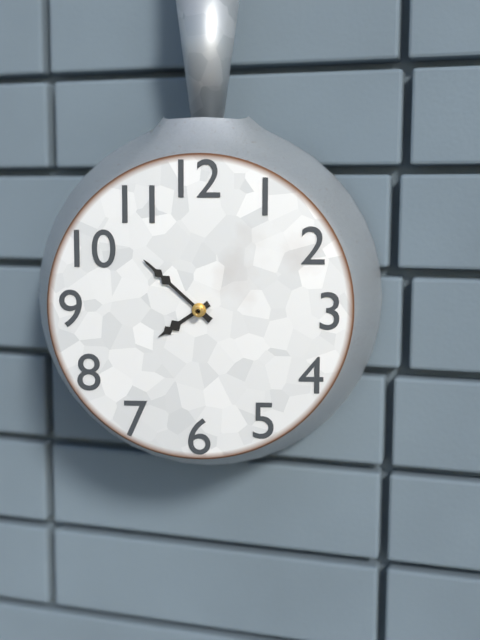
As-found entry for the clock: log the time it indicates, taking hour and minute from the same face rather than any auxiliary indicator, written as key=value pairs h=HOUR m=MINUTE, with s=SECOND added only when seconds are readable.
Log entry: h=7 m=52
